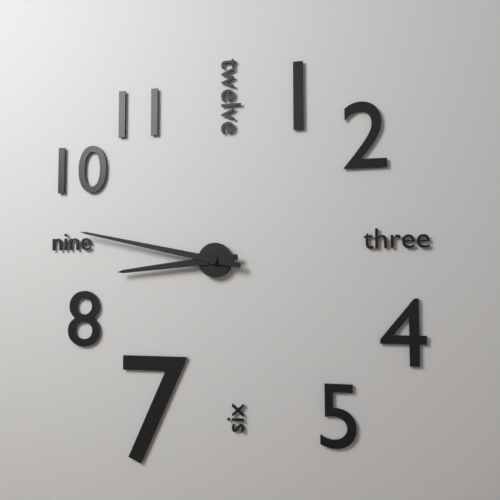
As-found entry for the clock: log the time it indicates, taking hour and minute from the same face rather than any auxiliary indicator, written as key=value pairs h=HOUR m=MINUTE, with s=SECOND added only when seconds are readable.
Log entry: h=8 m=47
